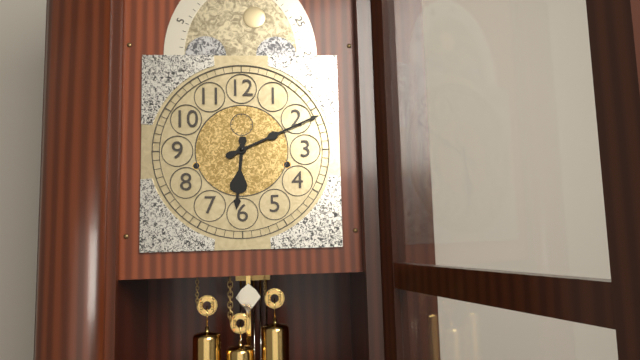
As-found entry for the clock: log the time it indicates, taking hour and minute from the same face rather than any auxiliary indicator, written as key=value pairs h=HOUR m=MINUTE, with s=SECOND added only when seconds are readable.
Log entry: h=6 m=11
